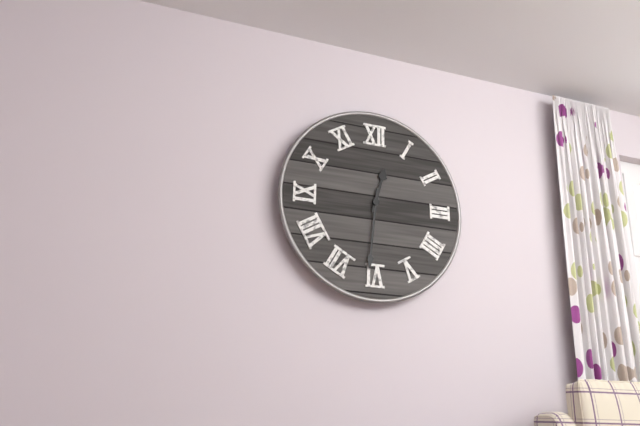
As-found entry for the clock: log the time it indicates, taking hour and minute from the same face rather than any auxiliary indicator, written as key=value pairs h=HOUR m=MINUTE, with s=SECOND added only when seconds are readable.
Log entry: h=12 m=31
